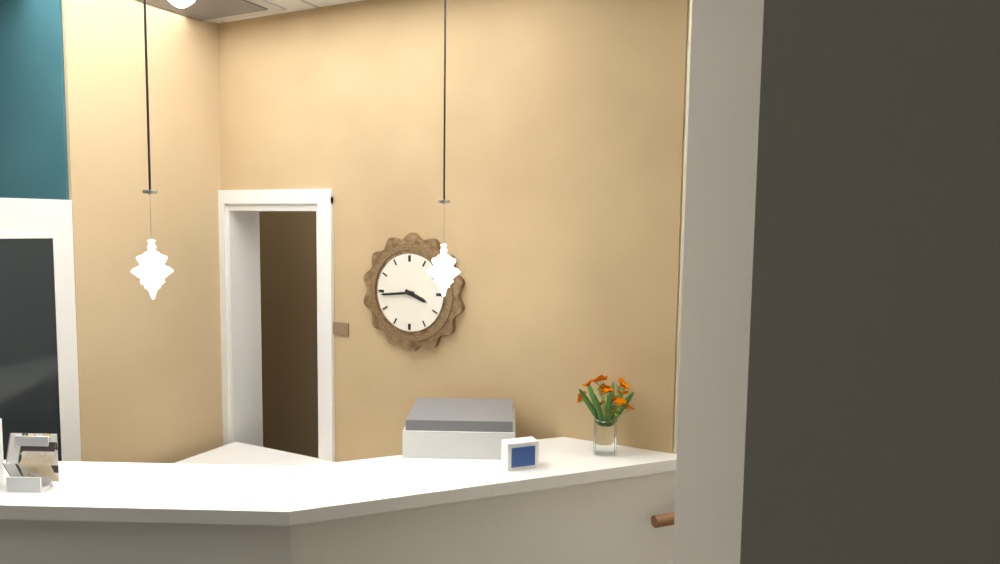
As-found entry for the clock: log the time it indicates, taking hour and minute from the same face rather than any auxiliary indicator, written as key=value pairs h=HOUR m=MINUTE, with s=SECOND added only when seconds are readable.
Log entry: h=3 m=44
